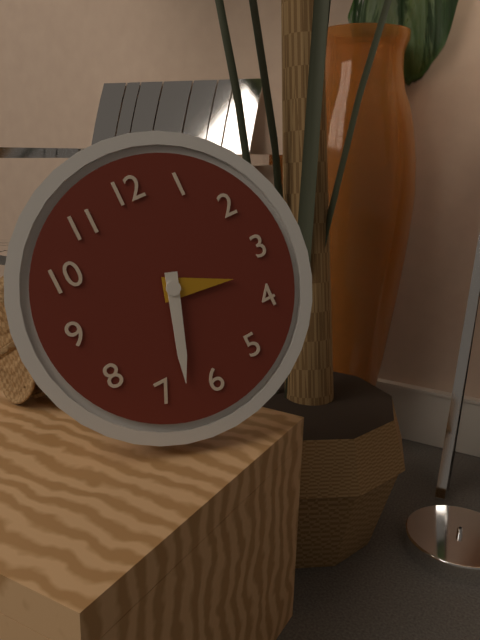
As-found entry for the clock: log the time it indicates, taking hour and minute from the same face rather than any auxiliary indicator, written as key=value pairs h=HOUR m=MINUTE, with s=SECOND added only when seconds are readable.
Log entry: h=3 m=33
